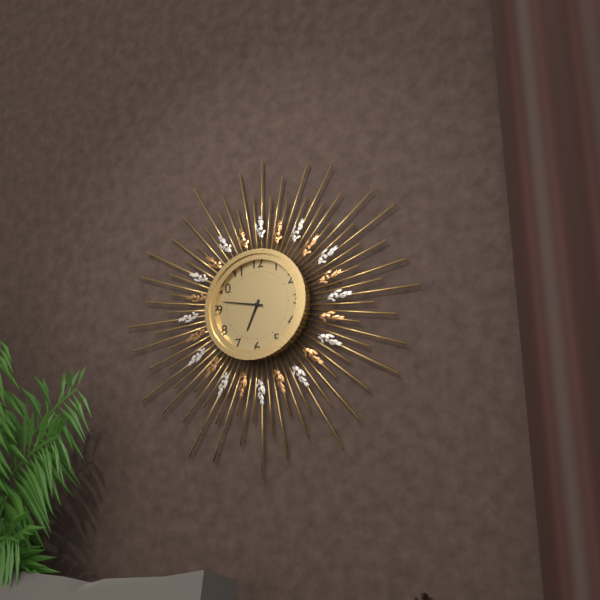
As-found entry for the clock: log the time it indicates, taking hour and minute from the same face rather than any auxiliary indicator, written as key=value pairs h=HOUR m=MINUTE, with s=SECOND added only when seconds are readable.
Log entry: h=6 m=47
